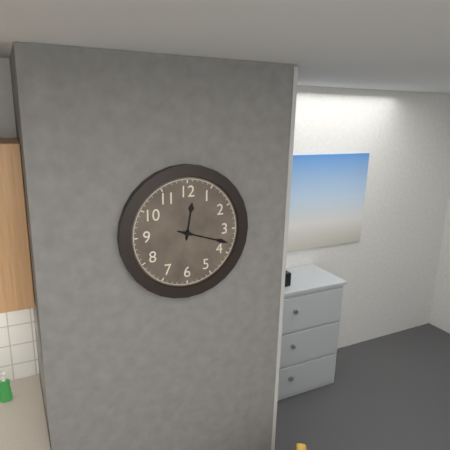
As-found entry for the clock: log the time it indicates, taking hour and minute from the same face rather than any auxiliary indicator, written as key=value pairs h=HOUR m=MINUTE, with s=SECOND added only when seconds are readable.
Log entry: h=12 m=18
